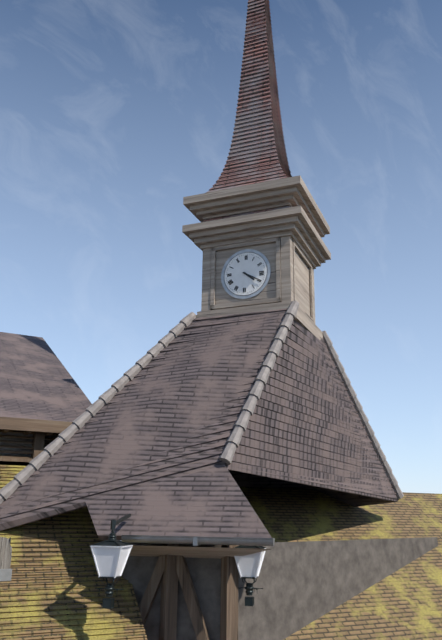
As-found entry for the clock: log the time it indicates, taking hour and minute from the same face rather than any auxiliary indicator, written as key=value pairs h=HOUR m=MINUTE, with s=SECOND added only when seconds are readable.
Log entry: h=4 m=20
